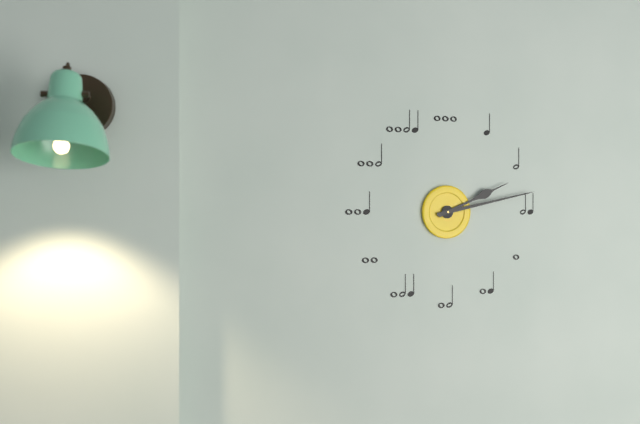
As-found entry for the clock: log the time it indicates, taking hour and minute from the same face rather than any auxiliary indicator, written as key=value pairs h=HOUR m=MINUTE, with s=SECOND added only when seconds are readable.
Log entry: h=2 m=13
